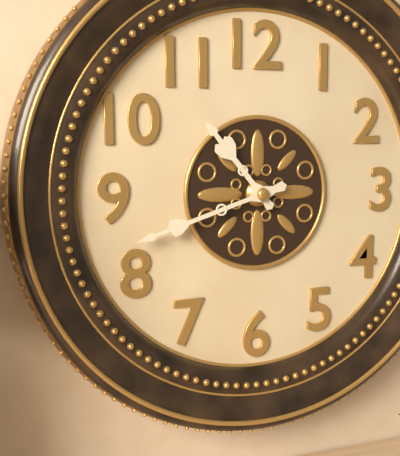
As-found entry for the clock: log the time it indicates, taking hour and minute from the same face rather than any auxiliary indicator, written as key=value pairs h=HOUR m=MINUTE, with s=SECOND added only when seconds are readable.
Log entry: h=10 m=42
